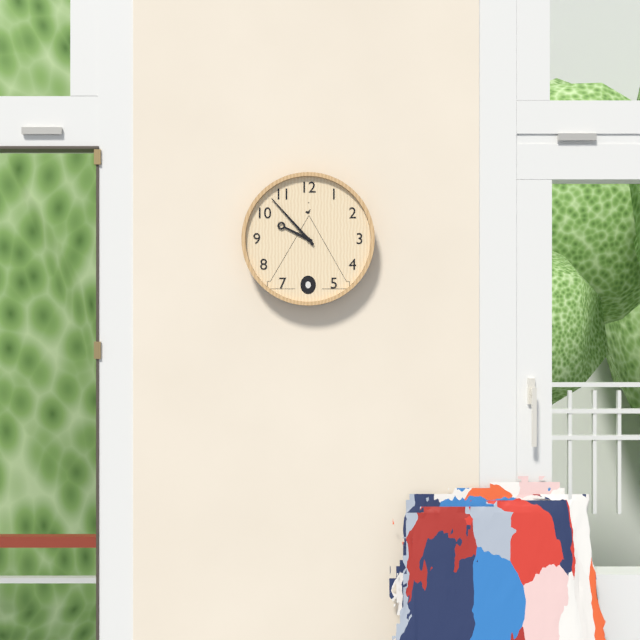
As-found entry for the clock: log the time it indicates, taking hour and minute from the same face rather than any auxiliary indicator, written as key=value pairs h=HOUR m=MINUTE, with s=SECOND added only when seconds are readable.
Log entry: h=9 m=53
